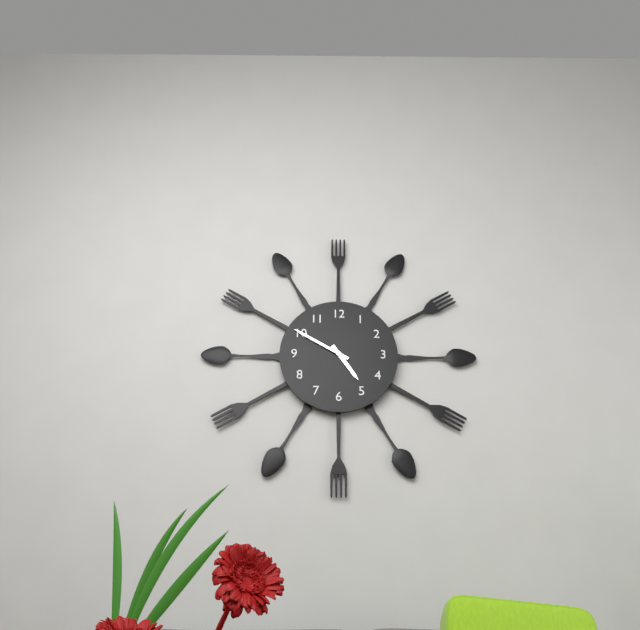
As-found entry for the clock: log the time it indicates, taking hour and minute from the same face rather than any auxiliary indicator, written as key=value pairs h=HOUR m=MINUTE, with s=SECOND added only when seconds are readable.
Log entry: h=4 m=50
